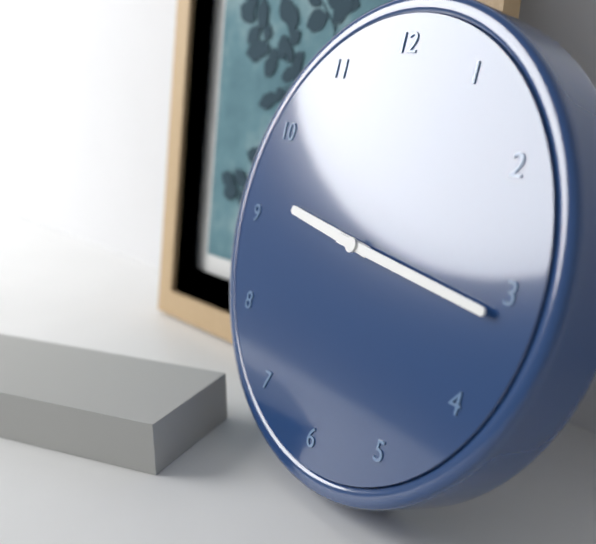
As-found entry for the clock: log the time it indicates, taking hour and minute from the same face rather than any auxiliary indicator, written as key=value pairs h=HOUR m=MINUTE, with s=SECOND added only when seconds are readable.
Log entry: h=9 m=16
